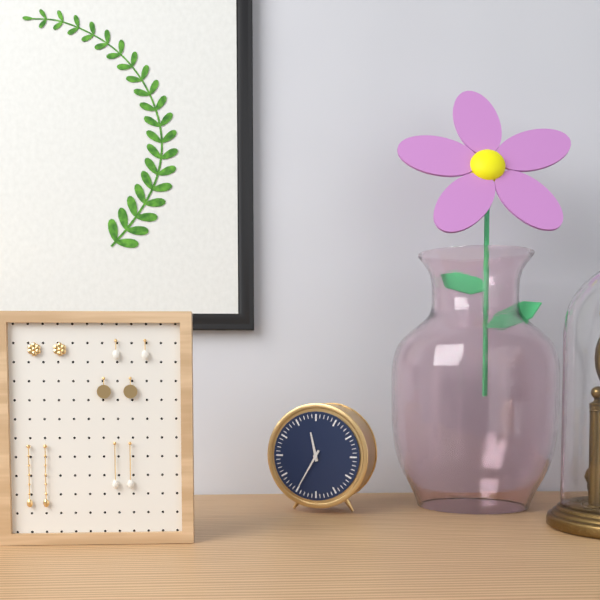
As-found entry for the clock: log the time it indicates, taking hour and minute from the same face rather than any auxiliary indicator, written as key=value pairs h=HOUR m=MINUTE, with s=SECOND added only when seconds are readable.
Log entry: h=11 m=35
